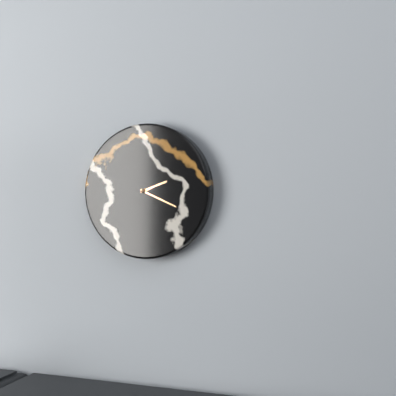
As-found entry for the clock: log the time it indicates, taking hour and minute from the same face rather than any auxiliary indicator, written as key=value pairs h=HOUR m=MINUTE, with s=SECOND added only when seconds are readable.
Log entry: h=2 m=19
